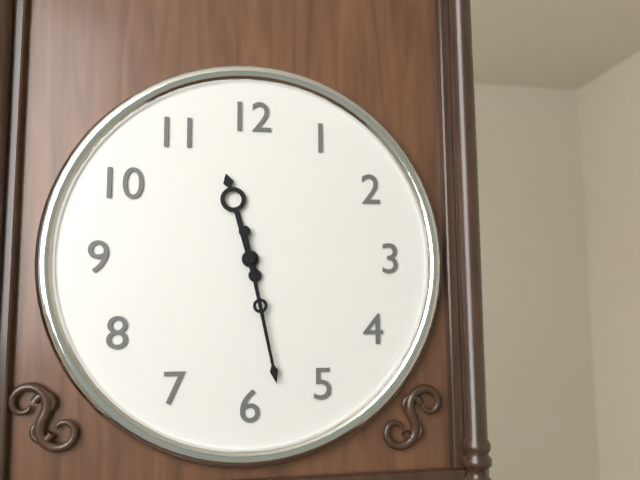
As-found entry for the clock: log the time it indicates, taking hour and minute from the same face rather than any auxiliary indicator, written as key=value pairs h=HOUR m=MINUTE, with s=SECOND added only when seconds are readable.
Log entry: h=11 m=28
